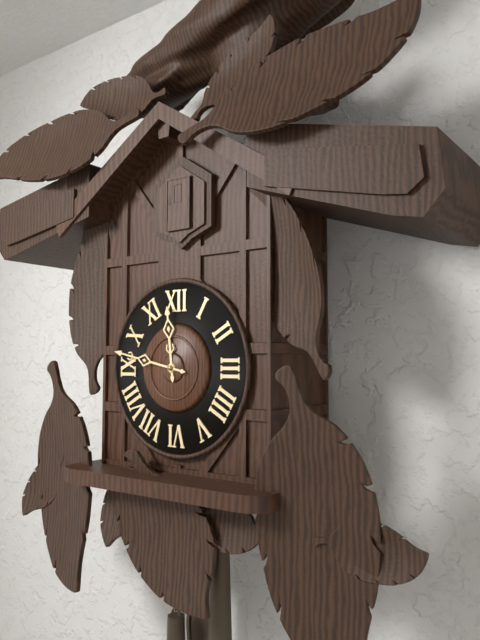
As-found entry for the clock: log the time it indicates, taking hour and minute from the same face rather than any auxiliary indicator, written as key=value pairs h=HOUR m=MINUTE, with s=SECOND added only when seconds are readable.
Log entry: h=11 m=47
